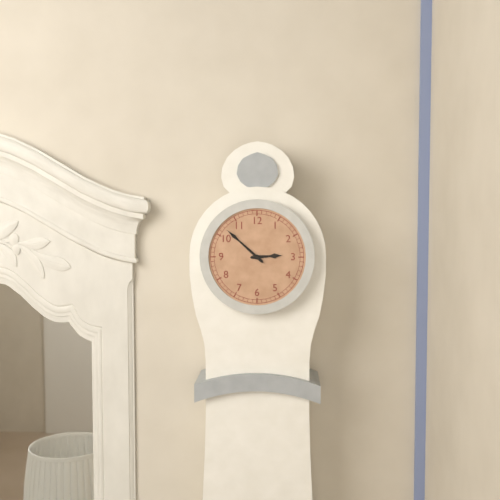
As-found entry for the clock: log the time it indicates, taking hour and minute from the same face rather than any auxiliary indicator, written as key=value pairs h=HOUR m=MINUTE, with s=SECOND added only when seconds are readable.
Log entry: h=2 m=52
